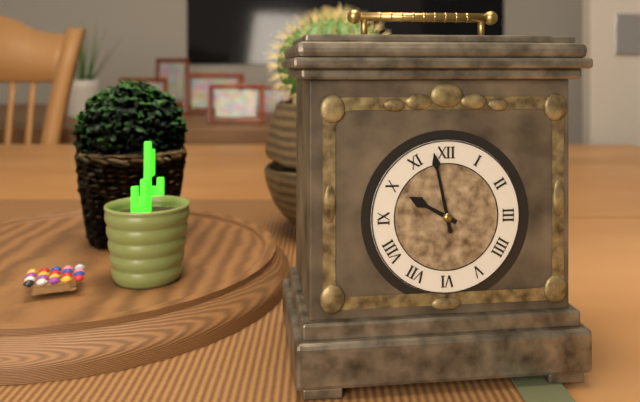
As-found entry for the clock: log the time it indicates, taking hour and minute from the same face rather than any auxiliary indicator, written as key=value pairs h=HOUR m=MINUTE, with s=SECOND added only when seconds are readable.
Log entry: h=9 m=58
